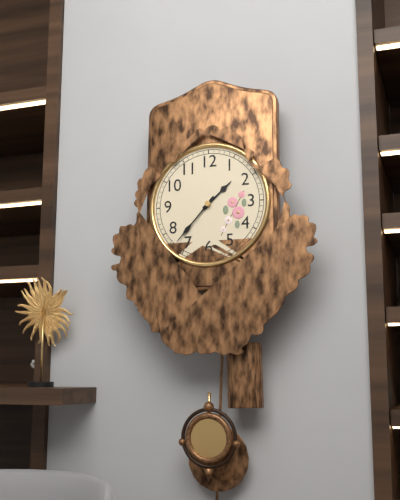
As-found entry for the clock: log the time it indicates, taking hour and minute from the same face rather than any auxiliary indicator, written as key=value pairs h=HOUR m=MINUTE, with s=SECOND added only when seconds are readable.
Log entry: h=1 m=37
